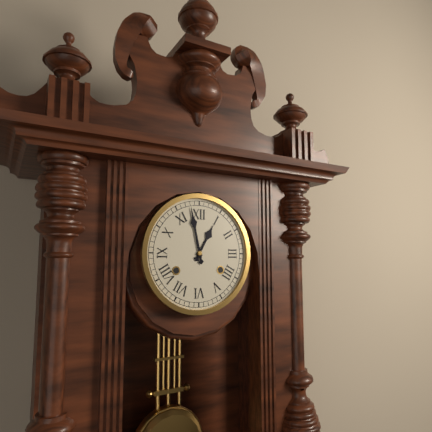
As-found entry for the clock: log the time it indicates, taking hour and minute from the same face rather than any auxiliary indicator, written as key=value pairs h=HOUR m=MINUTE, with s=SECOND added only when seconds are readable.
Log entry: h=12 m=58
